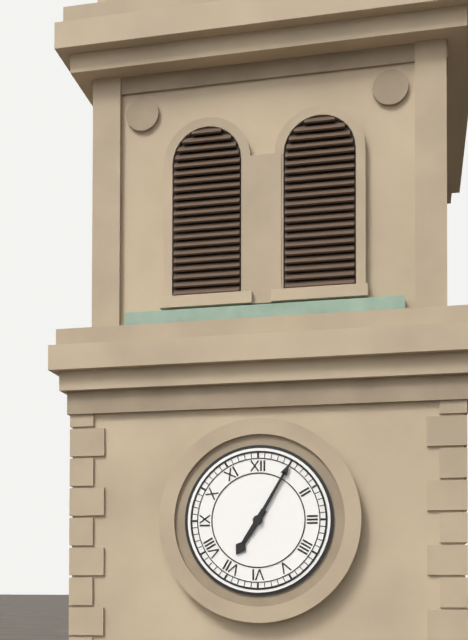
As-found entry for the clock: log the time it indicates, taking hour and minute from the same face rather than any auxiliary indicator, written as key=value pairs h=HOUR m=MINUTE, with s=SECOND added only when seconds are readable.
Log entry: h=7 m=5
